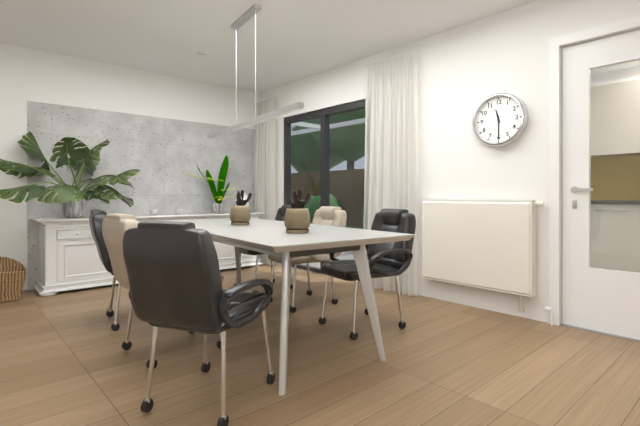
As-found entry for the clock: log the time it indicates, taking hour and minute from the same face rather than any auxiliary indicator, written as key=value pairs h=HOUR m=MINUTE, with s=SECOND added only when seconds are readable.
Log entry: h=11 m=30
